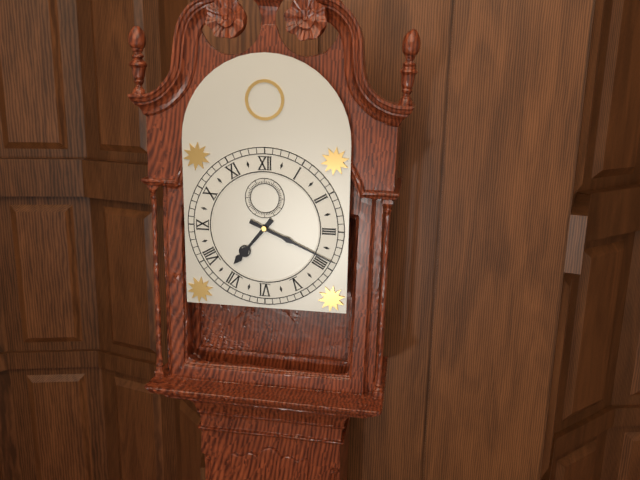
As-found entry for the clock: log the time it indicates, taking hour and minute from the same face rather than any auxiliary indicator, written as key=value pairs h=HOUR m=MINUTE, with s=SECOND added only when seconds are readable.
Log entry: h=7 m=19
